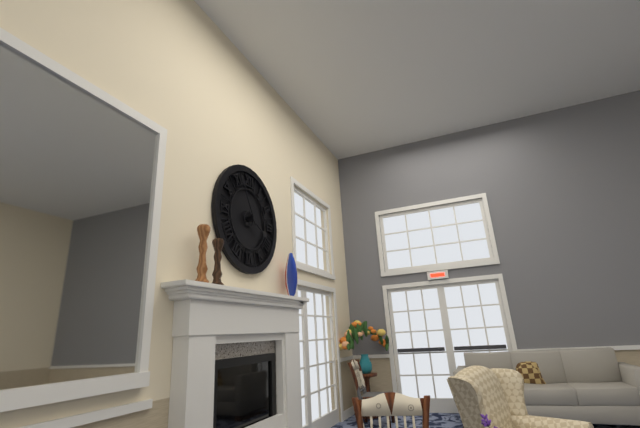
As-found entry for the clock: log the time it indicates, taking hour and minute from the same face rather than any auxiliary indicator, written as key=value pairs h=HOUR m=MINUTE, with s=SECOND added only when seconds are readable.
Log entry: h=3 m=55
